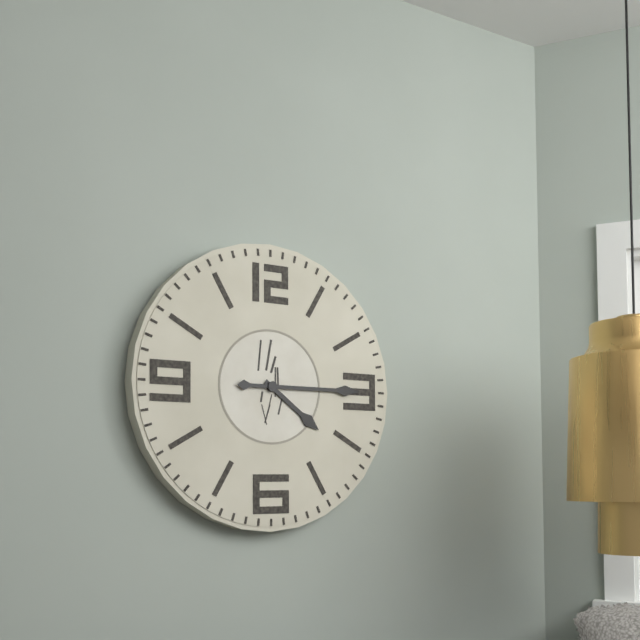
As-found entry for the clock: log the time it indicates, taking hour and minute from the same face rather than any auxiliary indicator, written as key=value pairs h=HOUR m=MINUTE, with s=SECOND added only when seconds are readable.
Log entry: h=4 m=15
